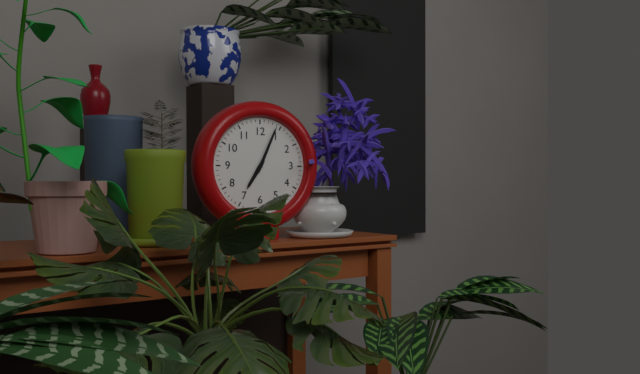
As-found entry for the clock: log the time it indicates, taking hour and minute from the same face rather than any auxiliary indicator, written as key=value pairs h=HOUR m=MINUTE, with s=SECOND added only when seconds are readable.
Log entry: h=7 m=4
